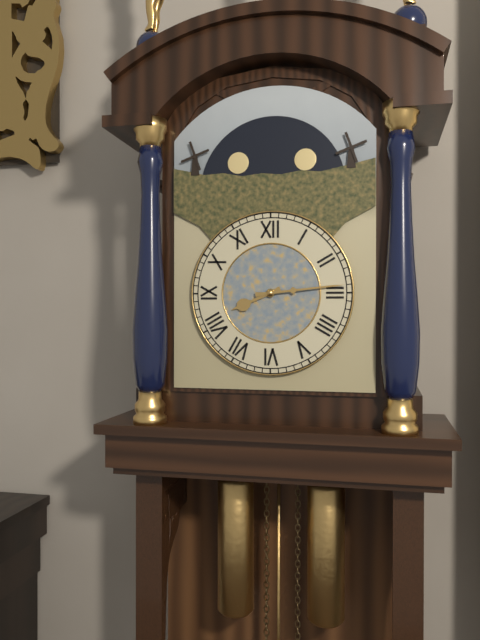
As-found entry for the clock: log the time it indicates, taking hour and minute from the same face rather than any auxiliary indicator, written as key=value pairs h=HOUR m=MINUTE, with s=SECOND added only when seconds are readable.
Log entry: h=8 m=14
